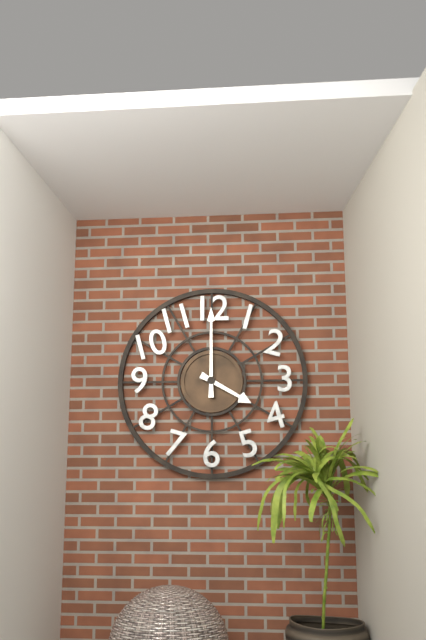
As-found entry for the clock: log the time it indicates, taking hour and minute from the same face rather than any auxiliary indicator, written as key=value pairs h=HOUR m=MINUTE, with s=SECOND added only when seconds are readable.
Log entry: h=4 m=0
